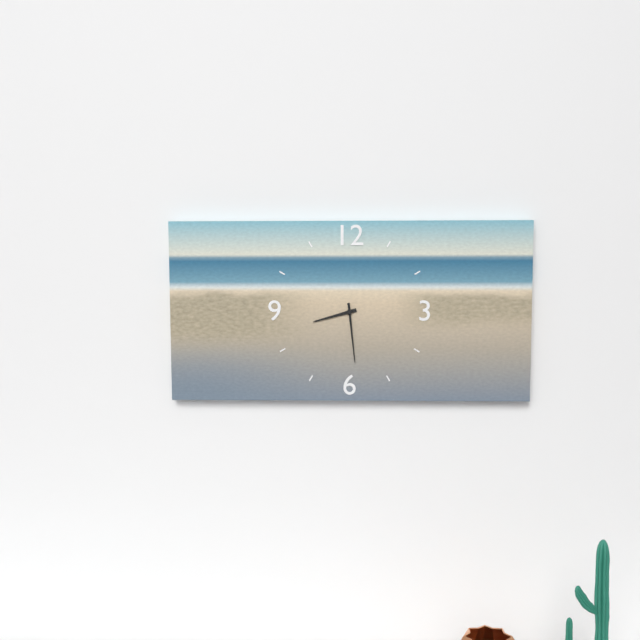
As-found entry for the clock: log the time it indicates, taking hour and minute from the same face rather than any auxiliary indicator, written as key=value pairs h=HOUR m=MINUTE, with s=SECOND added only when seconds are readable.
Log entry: h=8 m=29
